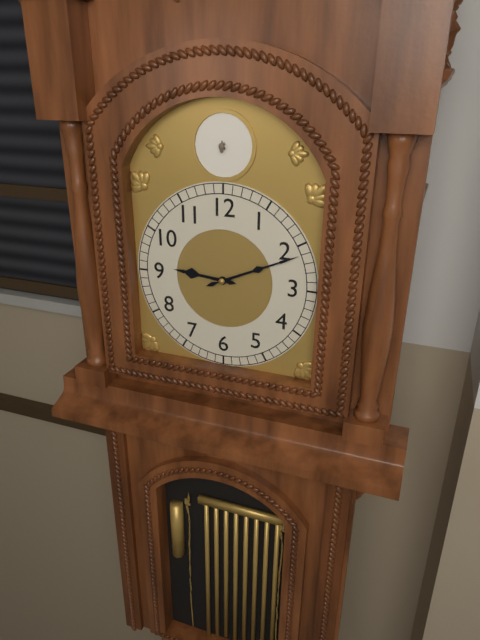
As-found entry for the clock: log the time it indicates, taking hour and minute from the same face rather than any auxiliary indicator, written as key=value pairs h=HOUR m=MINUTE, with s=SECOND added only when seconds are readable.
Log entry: h=9 m=11
